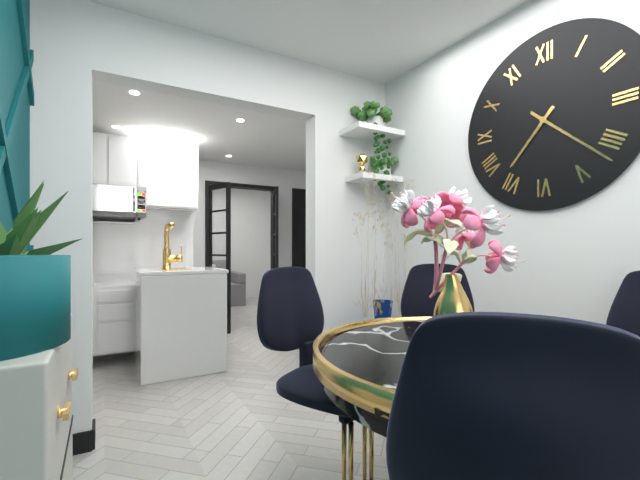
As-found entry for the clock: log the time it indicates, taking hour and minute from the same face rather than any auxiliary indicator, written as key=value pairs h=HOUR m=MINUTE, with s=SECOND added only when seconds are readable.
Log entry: h=7 m=22
